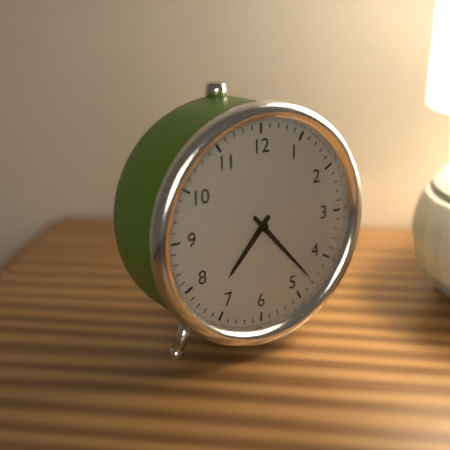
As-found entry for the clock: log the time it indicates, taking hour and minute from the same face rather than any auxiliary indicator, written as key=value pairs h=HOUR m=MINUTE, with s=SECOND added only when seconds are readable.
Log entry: h=7 m=23
